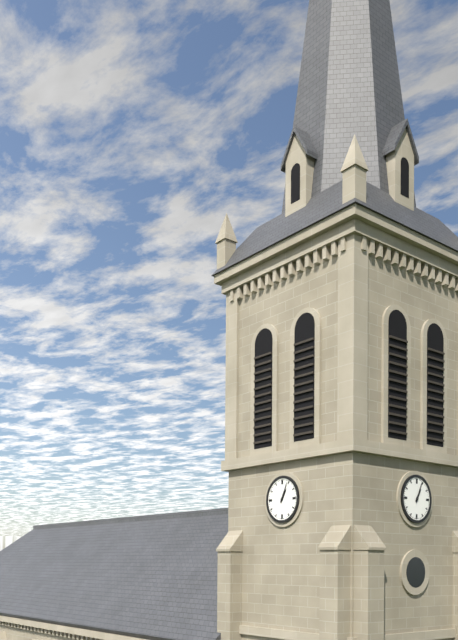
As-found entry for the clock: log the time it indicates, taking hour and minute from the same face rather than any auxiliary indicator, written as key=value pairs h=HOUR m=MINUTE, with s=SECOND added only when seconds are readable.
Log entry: h=1 m=4
